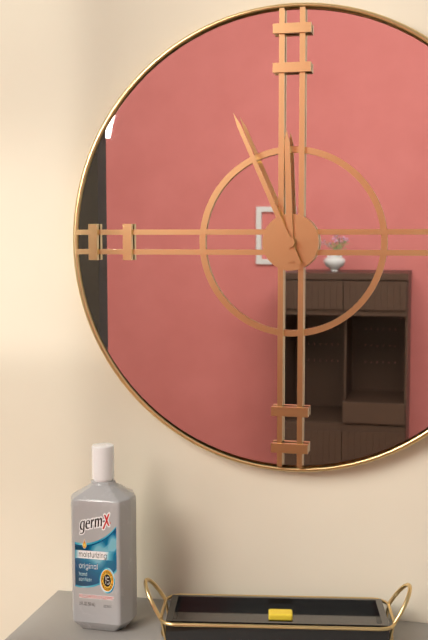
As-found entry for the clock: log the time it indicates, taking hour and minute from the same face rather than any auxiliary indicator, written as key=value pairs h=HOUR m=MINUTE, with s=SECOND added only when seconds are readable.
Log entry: h=11 m=56
